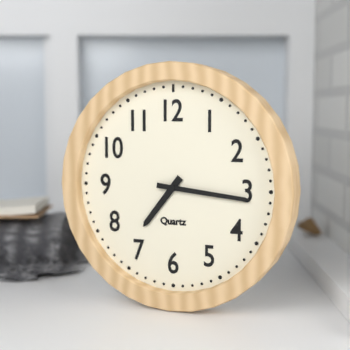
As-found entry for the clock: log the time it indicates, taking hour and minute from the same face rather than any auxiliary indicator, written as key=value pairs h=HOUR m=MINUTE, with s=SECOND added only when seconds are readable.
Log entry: h=7 m=16
